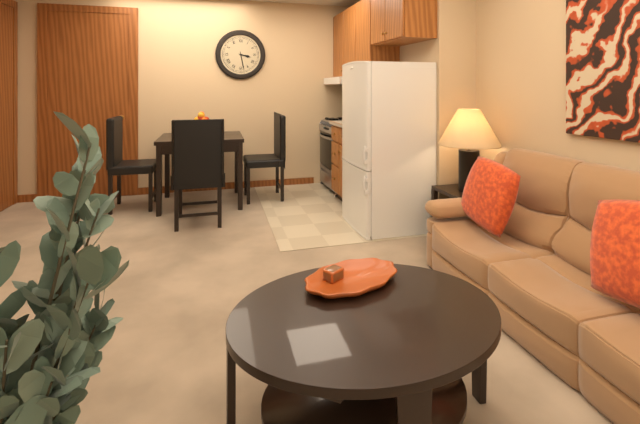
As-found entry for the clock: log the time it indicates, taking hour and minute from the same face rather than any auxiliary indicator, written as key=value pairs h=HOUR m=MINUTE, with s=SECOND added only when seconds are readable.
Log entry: h=3 m=28
